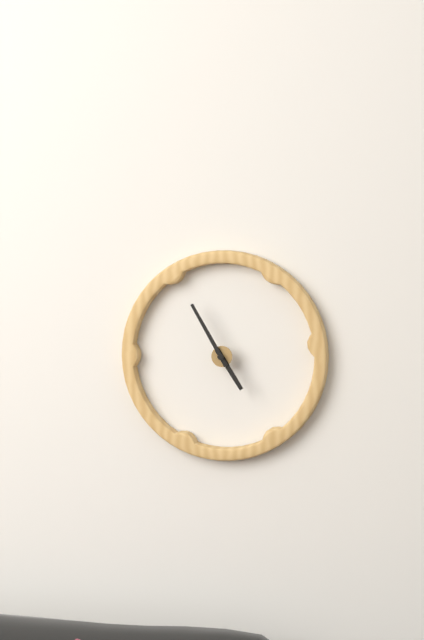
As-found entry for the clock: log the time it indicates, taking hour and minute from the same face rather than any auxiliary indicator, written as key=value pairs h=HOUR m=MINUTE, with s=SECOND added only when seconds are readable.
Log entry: h=4 m=55
